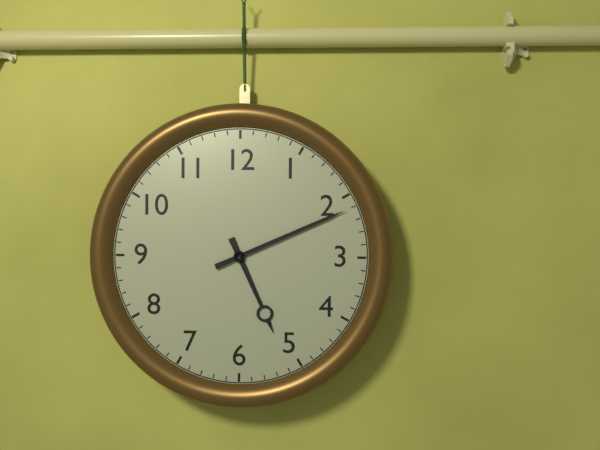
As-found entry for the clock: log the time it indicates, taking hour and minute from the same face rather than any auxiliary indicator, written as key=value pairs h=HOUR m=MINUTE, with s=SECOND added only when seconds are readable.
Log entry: h=5 m=11
